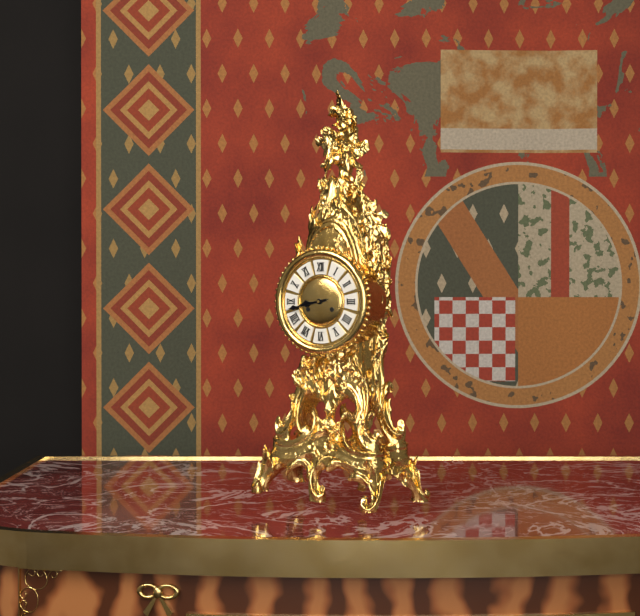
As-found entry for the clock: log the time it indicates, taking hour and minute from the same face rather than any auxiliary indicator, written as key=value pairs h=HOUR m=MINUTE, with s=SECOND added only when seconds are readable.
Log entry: h=8 m=43
